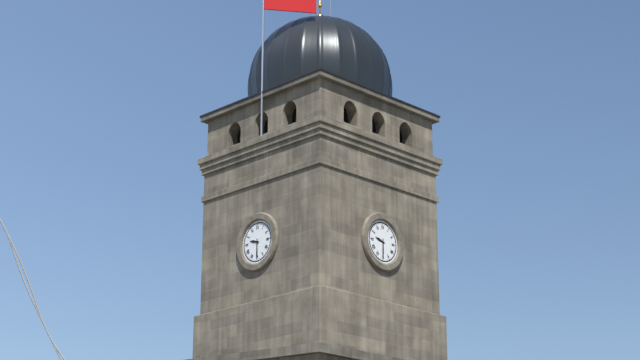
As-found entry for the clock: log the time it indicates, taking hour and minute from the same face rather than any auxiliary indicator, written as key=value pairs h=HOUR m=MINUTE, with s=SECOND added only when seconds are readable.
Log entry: h=9 m=30
